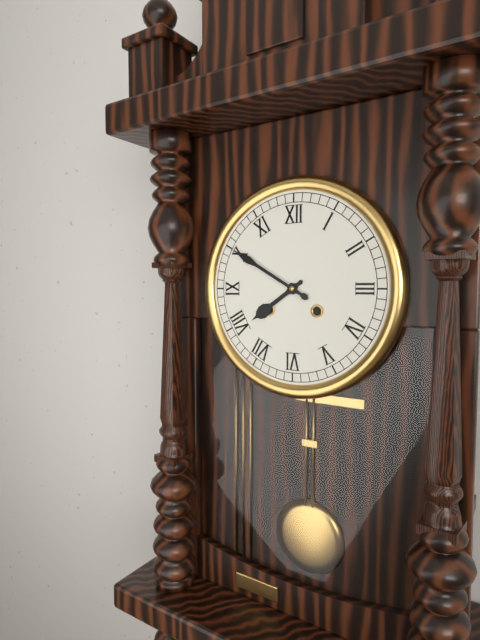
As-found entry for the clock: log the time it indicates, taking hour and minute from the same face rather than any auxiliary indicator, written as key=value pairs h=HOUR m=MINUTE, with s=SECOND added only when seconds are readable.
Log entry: h=7 m=50
